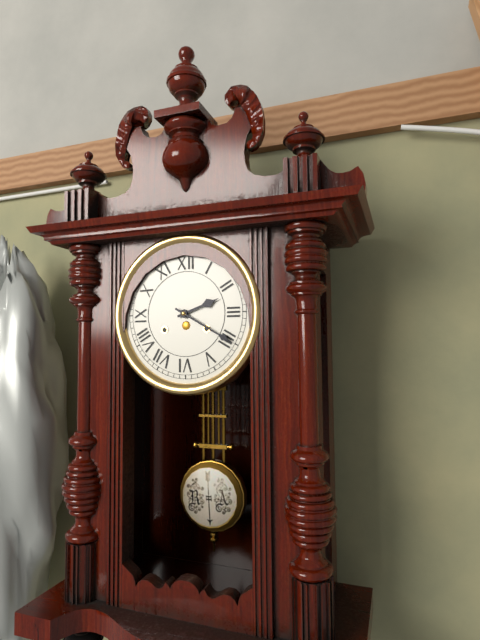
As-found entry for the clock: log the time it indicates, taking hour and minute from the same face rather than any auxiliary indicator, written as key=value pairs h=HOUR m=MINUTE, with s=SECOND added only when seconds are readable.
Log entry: h=2 m=20
